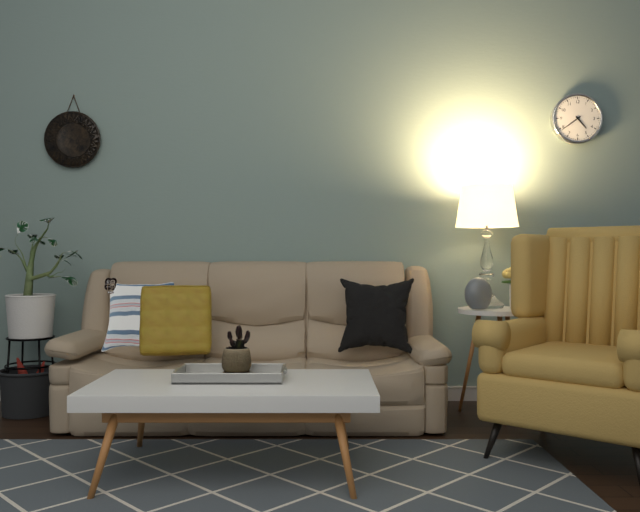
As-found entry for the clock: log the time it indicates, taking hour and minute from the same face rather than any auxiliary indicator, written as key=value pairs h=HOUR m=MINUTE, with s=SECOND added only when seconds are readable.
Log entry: h=4 m=39
